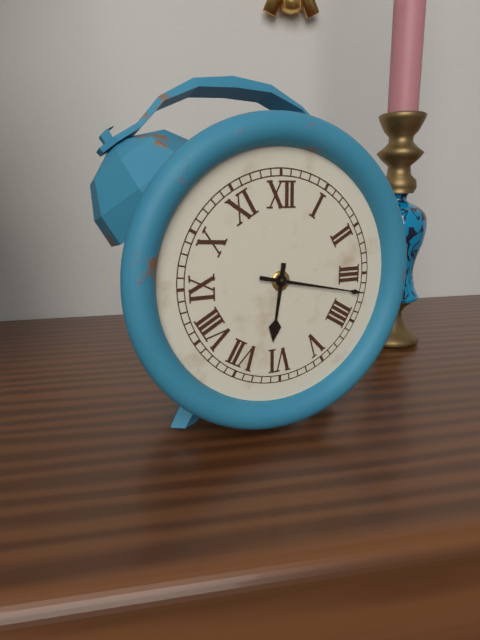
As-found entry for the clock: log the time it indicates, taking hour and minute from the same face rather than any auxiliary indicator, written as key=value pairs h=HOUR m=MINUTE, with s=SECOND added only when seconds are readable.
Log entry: h=6 m=17
